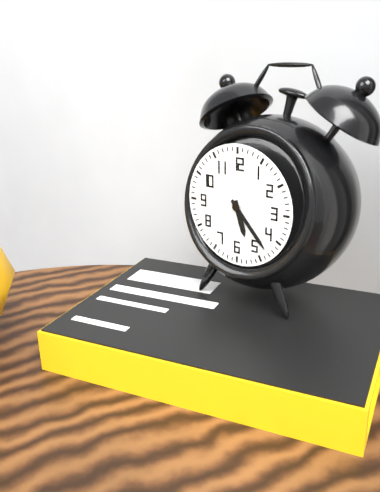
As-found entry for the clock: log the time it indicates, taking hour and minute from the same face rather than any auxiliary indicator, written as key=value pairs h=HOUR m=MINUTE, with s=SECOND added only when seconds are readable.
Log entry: h=5 m=23
